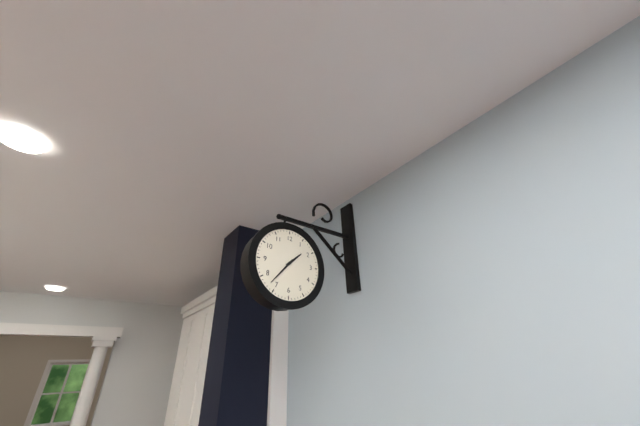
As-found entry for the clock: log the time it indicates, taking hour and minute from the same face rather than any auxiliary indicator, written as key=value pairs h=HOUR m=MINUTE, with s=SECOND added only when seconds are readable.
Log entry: h=1 m=37
